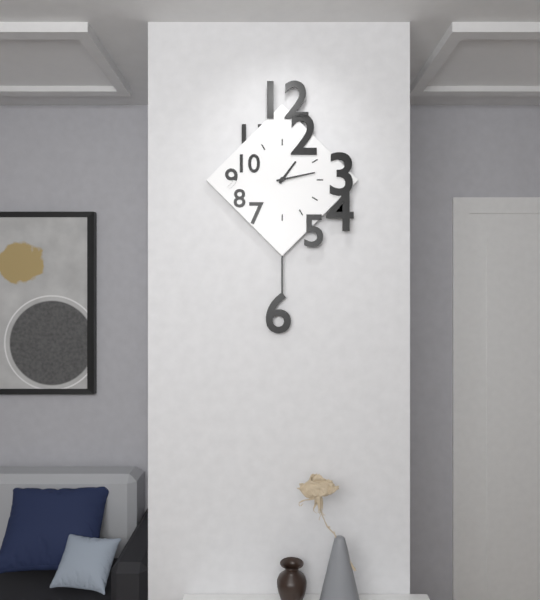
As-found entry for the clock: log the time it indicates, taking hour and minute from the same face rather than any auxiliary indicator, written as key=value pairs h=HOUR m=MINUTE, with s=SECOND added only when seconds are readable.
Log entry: h=1 m=13
